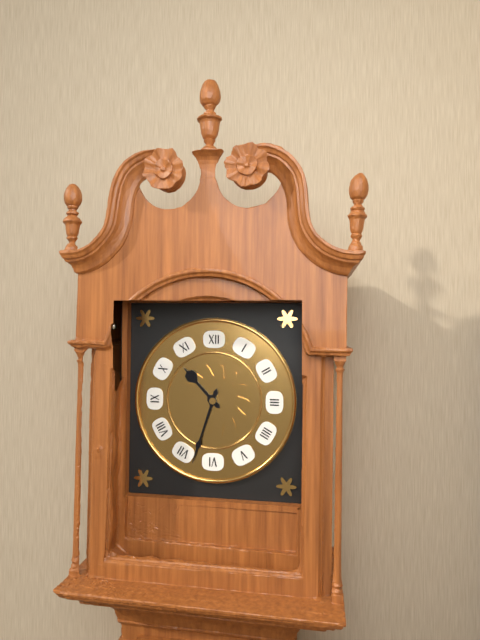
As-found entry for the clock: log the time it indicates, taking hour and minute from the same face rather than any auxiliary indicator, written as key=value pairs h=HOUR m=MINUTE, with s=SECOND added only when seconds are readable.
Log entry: h=10 m=33
